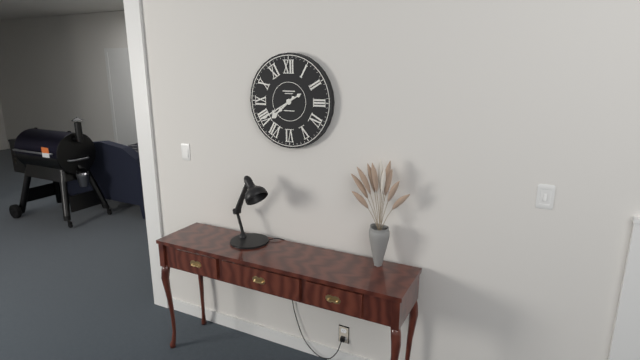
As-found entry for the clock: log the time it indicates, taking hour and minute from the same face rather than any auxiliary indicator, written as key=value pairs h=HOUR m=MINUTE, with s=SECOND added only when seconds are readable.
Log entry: h=7 m=40
